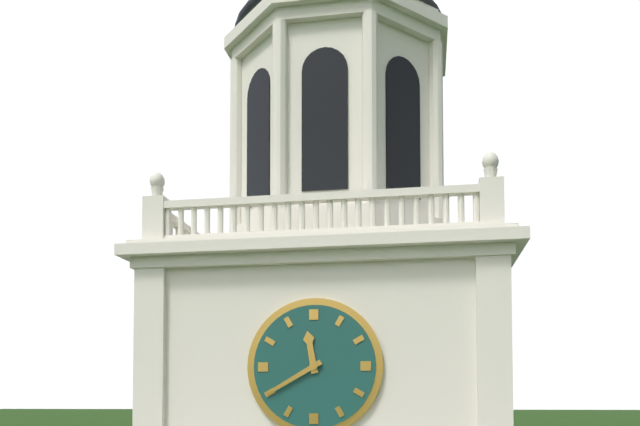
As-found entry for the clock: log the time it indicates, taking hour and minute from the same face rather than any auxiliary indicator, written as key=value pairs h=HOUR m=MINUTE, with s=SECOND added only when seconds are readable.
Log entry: h=11 m=40
